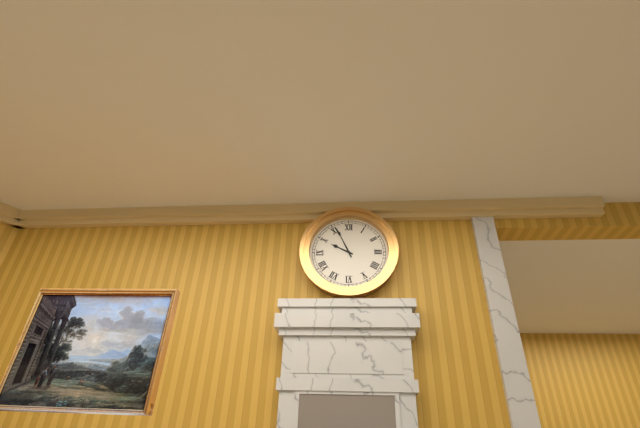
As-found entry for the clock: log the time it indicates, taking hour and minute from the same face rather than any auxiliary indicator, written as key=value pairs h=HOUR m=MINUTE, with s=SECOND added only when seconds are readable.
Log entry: h=9 m=56
